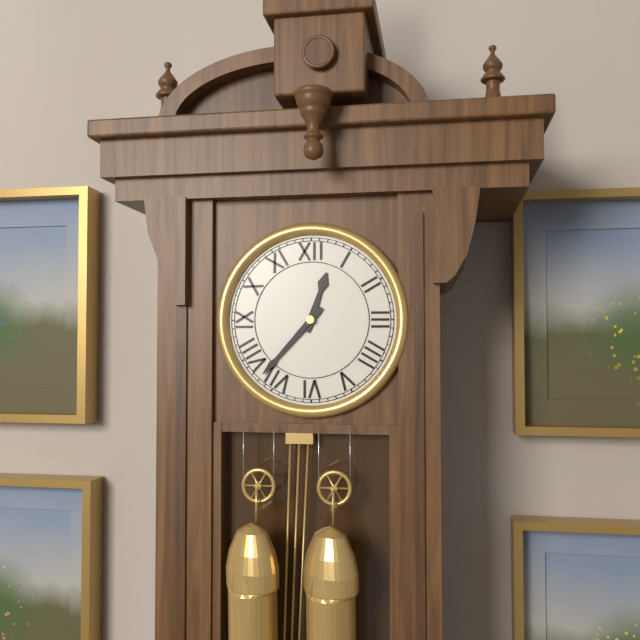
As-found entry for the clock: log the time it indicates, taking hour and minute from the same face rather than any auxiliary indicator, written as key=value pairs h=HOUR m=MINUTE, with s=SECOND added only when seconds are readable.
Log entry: h=12 m=37
